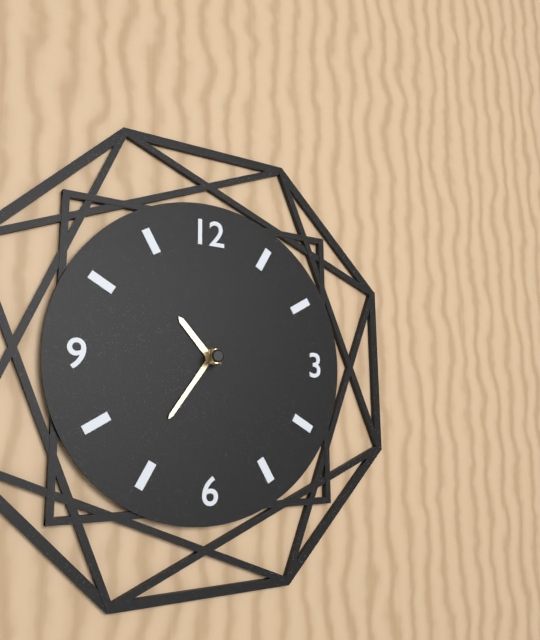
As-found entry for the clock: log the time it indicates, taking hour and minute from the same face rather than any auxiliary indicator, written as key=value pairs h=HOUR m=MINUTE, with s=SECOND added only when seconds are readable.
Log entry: h=10 m=36
